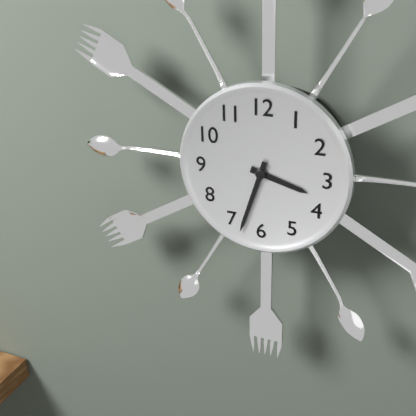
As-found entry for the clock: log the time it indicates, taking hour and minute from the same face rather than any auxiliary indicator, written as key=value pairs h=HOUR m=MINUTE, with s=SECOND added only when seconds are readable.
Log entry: h=3 m=33
